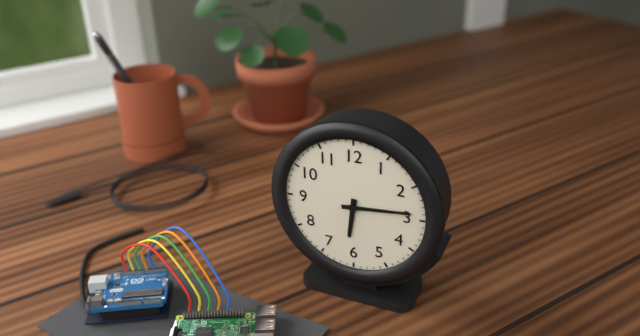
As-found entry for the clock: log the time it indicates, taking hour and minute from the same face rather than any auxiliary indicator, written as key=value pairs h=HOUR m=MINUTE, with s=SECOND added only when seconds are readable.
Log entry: h=6 m=14
